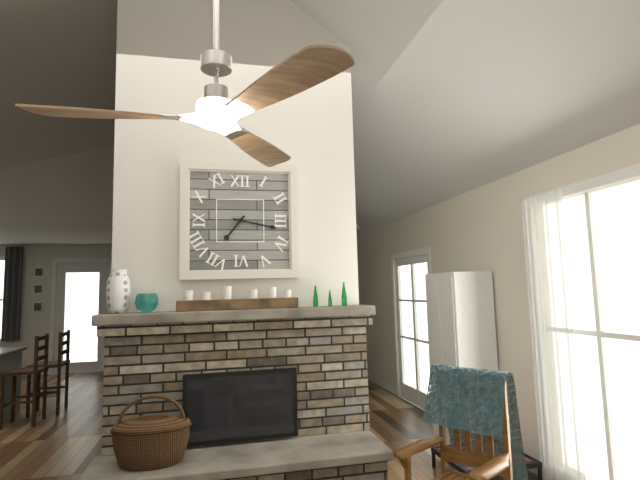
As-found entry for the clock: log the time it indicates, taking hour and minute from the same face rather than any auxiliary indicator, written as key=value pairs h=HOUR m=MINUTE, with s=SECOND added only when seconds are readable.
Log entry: h=7 m=17
